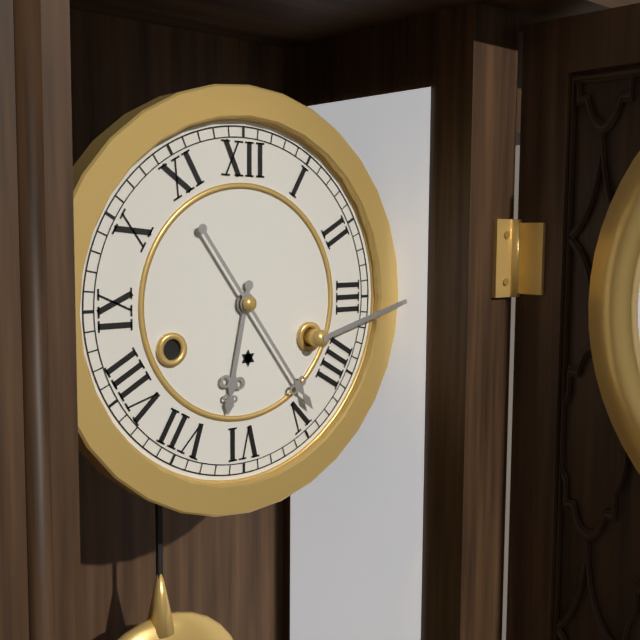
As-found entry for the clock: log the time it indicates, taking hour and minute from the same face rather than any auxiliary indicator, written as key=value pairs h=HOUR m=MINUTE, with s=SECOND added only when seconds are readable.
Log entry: h=6 m=24
